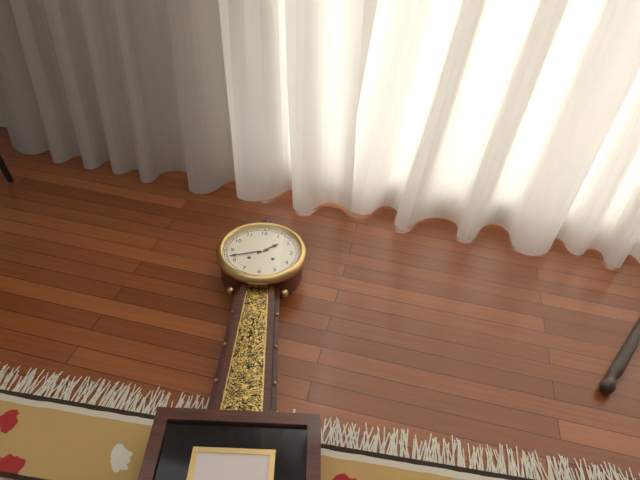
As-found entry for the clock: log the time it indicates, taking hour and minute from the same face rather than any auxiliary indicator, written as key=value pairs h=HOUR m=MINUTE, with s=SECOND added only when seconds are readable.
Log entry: h=1 m=42
